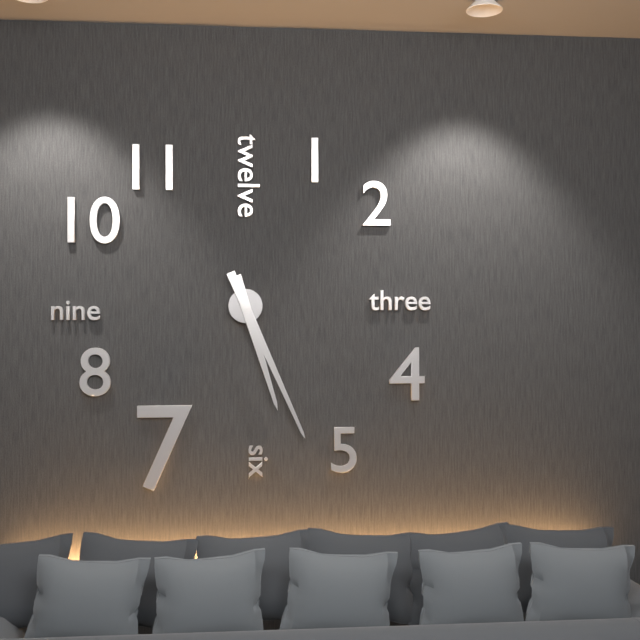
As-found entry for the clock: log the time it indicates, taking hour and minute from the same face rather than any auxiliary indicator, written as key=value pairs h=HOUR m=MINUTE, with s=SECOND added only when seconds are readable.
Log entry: h=5 m=26
